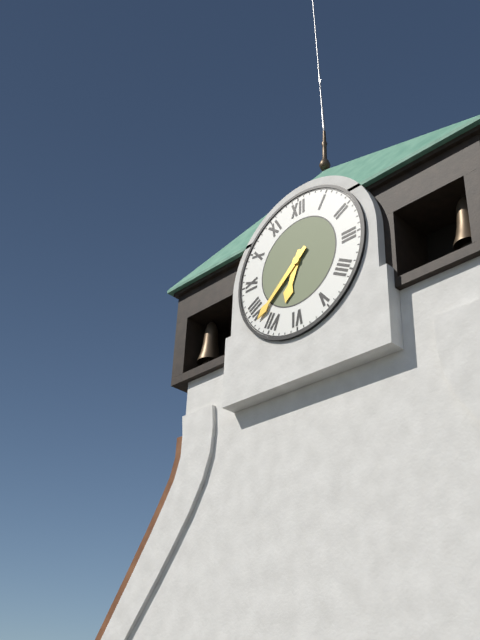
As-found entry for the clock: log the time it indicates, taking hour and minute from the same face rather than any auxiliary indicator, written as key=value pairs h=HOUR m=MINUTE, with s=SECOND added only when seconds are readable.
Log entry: h=6 m=38
